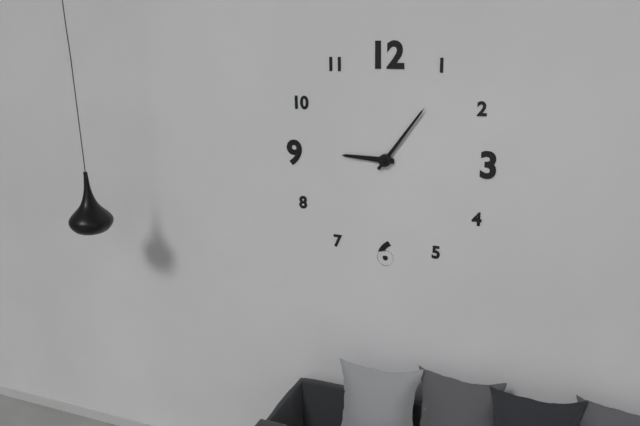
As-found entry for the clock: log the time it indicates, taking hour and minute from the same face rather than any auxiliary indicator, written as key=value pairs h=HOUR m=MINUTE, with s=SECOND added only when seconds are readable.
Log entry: h=9 m=6
